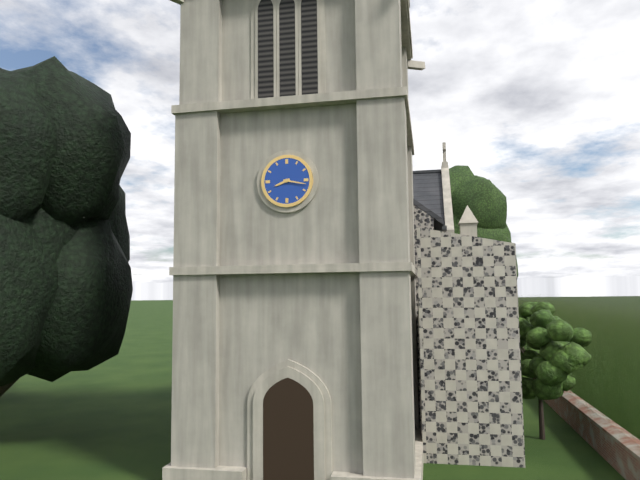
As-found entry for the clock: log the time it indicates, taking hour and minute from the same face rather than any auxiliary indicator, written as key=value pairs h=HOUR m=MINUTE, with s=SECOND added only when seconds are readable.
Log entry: h=8 m=17
